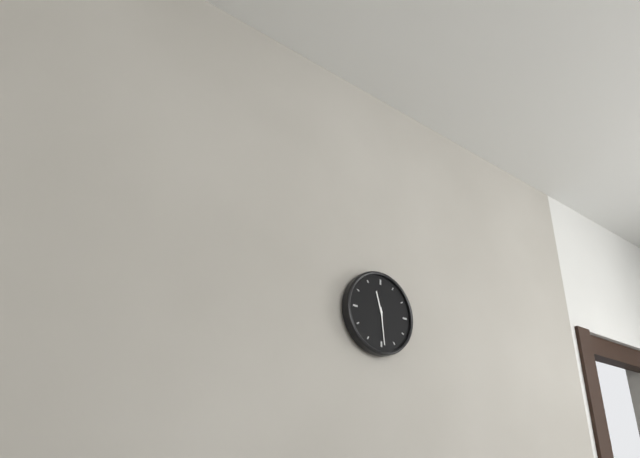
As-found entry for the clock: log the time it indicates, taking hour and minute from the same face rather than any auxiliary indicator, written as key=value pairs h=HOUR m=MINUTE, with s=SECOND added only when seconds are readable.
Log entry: h=11 m=29
